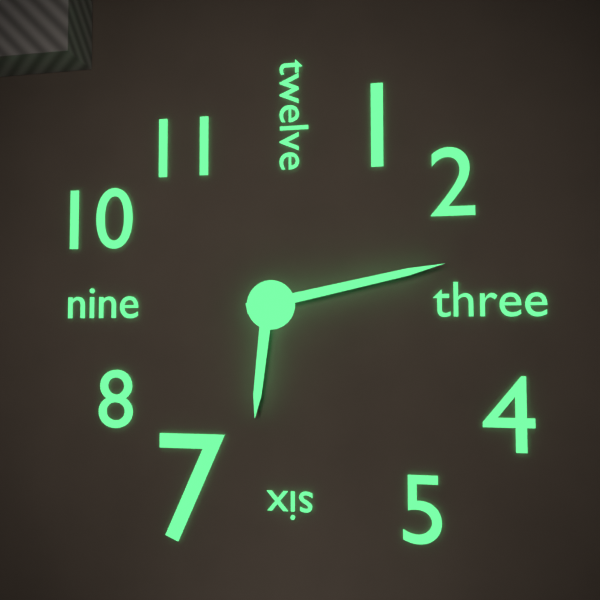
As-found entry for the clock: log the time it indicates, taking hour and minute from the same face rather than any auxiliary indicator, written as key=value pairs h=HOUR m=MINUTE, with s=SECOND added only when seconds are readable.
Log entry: h=6 m=13
